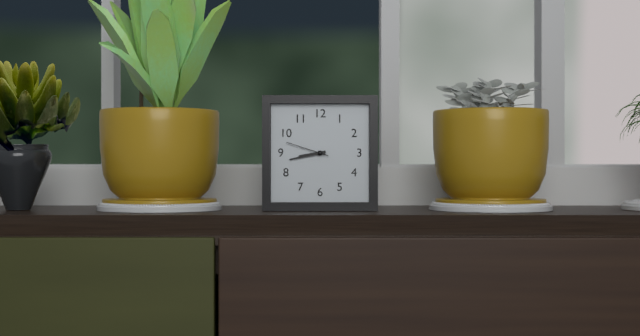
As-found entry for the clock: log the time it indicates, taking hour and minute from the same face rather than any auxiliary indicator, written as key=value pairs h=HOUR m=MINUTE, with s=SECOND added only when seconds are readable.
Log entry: h=8 m=43
